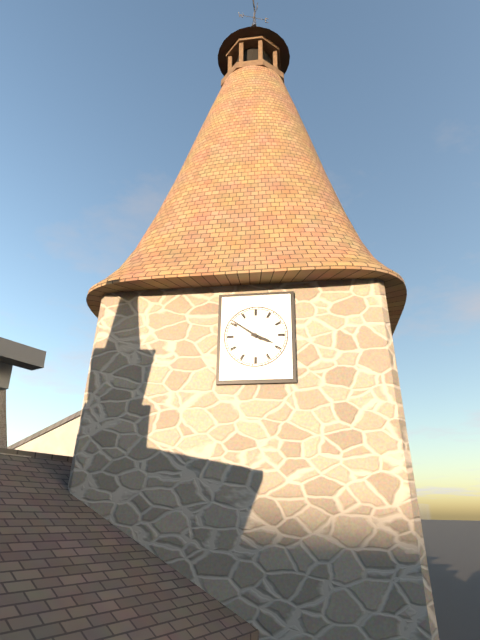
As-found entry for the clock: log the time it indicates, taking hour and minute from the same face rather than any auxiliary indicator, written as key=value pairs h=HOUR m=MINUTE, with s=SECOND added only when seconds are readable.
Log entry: h=3 m=51
